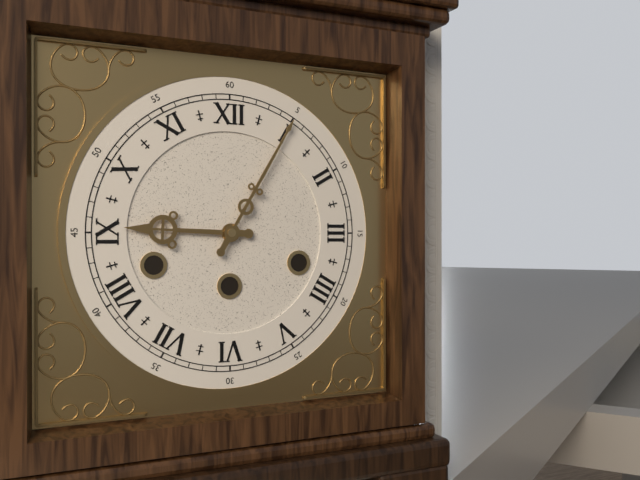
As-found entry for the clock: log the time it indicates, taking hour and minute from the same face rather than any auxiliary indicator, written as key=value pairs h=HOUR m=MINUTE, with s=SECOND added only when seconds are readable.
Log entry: h=9 m=5
